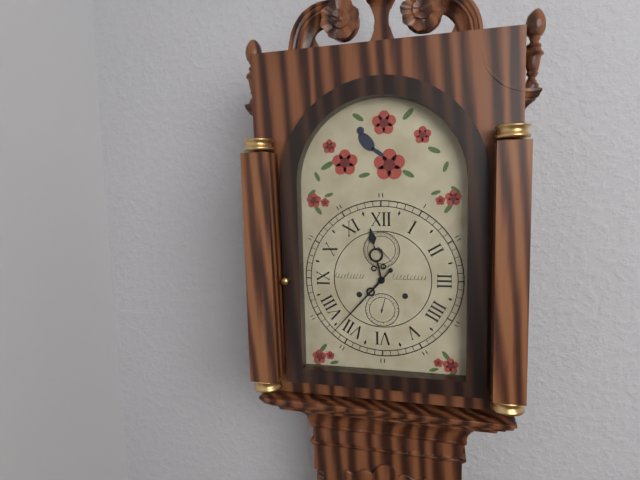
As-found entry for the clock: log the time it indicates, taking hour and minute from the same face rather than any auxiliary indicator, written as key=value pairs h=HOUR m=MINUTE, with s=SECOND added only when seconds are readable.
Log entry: h=11 m=37
